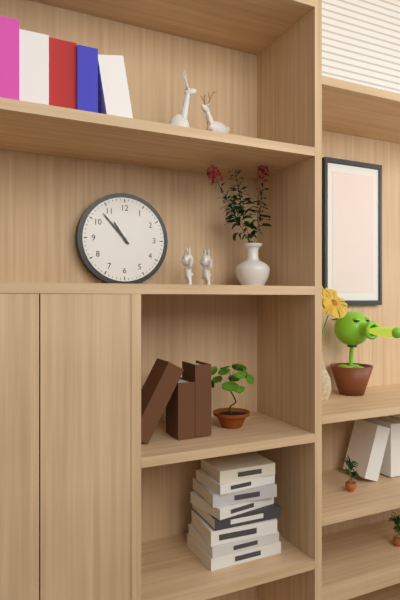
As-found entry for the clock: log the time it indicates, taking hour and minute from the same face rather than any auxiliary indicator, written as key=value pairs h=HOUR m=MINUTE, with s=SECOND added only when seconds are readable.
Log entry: h=10 m=53
